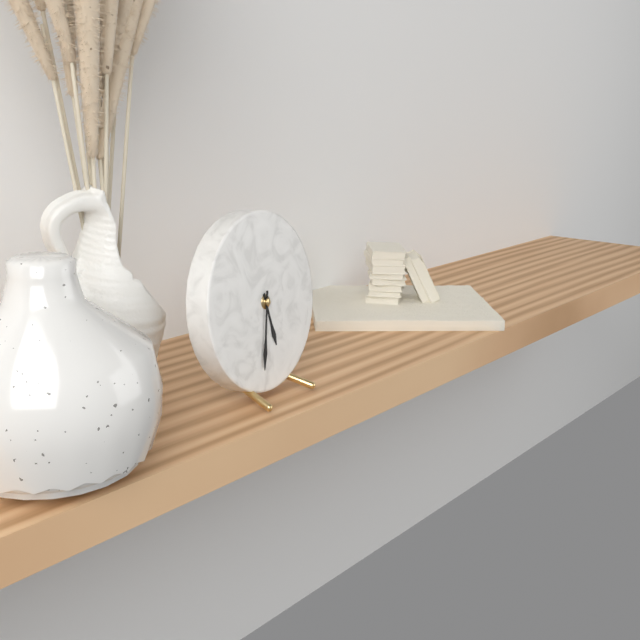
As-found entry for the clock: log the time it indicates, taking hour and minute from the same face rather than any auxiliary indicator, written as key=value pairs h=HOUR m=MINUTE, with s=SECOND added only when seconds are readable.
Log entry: h=5 m=32
